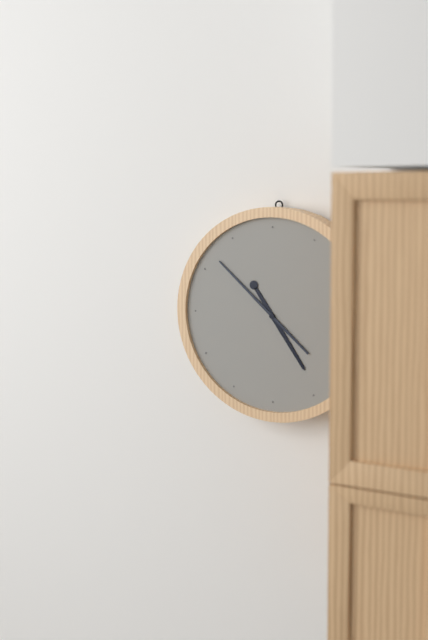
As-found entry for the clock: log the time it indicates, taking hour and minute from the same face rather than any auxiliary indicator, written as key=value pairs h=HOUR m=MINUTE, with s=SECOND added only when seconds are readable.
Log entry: h=4 m=52
